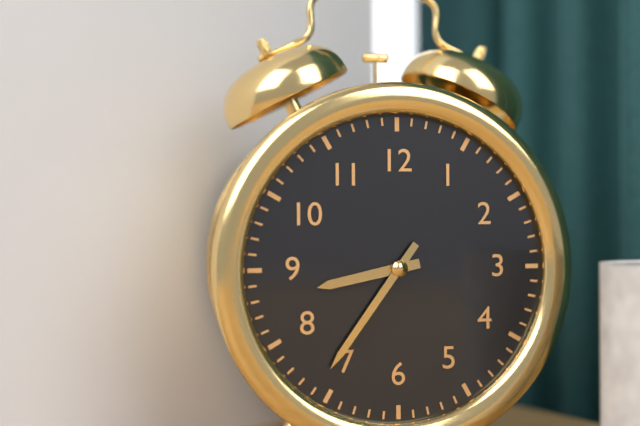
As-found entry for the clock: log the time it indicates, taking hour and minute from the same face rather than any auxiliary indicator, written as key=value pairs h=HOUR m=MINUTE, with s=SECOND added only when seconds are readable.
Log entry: h=8 m=36
